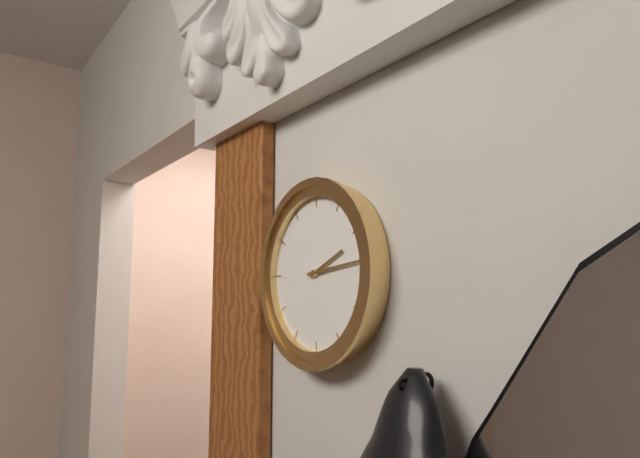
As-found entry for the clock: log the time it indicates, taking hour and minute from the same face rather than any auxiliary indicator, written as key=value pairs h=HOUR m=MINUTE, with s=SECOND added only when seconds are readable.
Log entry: h=2 m=14
